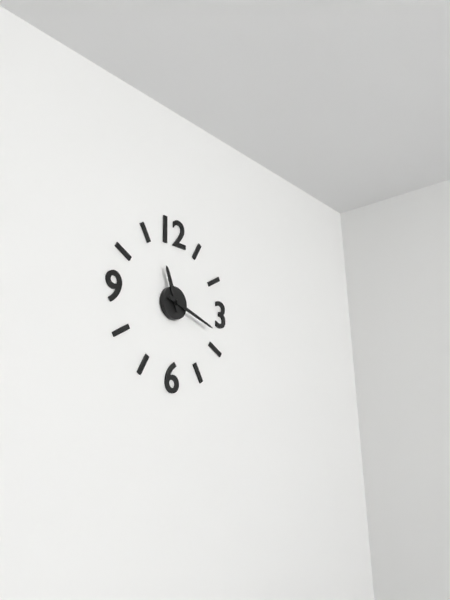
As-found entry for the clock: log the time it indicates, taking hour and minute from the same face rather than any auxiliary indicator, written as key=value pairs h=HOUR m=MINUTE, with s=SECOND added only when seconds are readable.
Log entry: h=11 m=18
